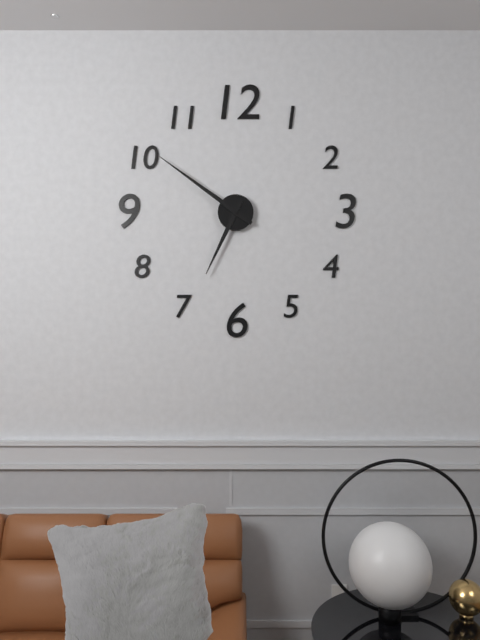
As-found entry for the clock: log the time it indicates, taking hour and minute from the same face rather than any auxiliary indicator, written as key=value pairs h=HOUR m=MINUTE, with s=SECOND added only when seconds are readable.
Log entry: h=6 m=51
